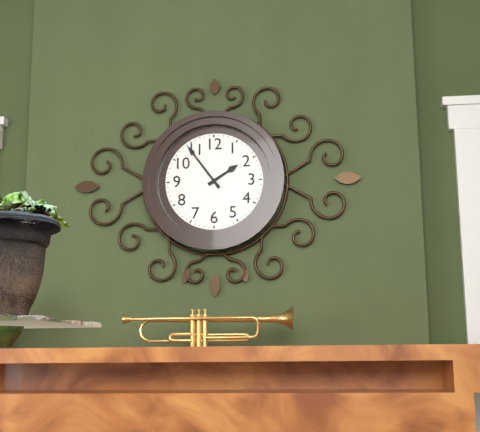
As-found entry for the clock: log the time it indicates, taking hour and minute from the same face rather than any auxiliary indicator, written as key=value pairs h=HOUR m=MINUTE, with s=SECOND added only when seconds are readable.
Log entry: h=1 m=54
